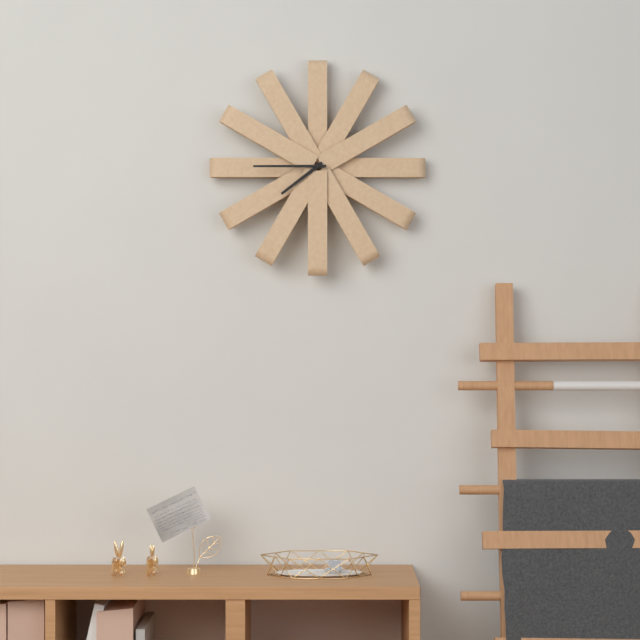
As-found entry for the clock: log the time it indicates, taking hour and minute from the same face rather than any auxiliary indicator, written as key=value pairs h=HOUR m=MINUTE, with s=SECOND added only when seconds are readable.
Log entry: h=7 m=45
